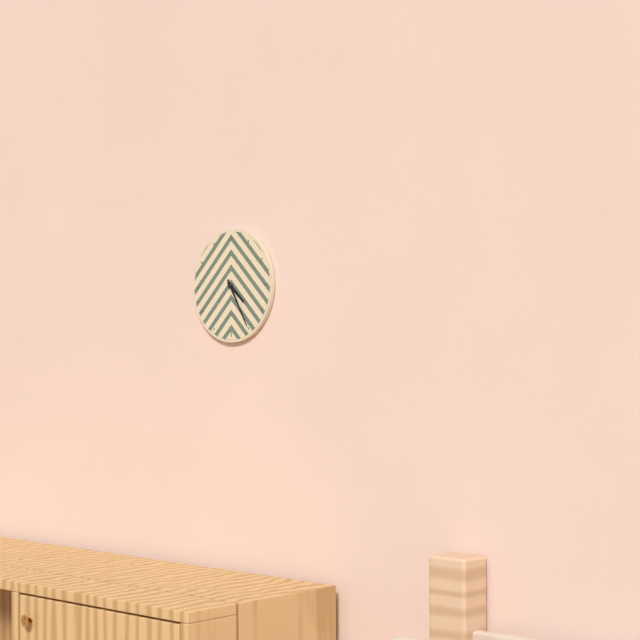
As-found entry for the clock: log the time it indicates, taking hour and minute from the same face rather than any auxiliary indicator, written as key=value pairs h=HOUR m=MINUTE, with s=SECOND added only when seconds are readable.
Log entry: h=4 m=25
